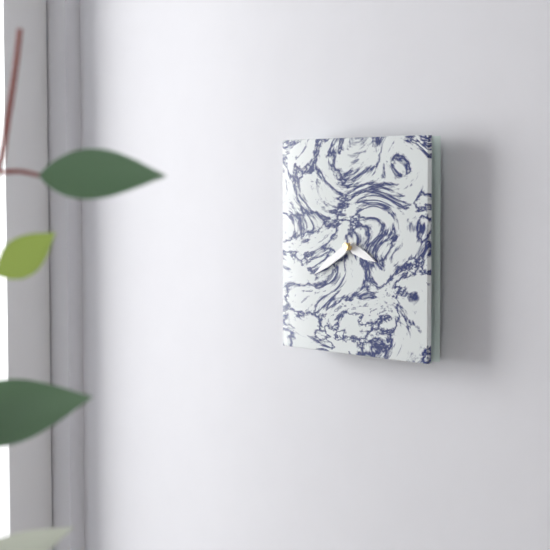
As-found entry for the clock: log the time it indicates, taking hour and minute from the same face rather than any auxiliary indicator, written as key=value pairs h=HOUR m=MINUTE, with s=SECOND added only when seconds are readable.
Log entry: h=3 m=40
